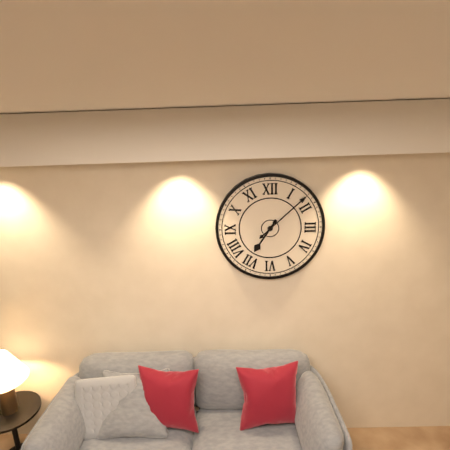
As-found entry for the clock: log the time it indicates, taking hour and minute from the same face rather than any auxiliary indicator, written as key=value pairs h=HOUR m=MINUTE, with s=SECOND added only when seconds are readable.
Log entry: h=7 m=8
